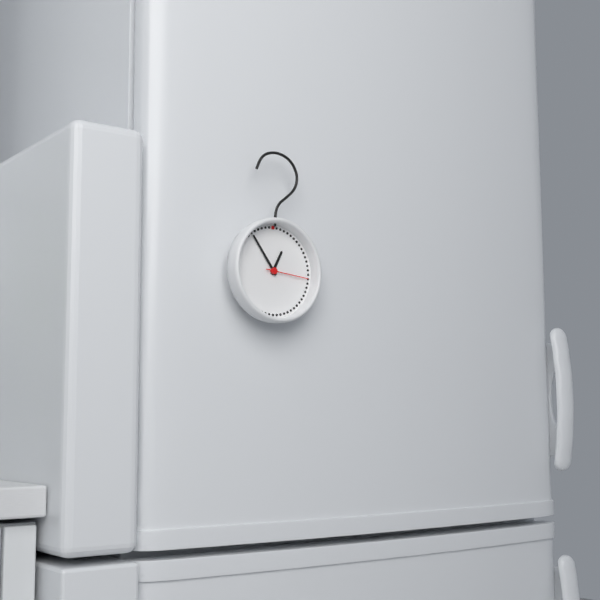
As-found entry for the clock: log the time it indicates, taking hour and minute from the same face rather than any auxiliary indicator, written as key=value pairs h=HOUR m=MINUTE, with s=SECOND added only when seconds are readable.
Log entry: h=12 m=54
